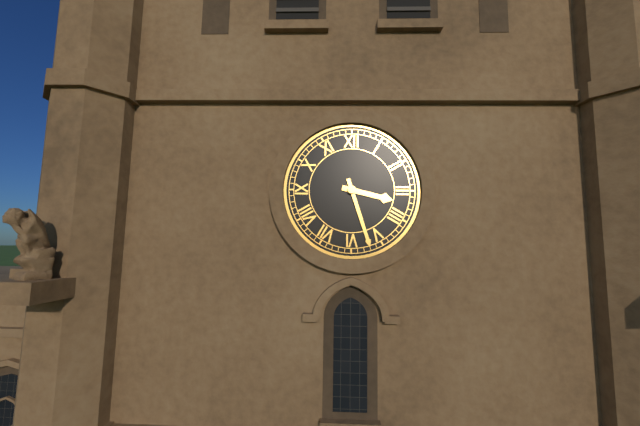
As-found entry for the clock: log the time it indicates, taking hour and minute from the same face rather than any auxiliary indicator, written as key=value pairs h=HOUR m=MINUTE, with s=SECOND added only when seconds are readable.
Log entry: h=3 m=27
